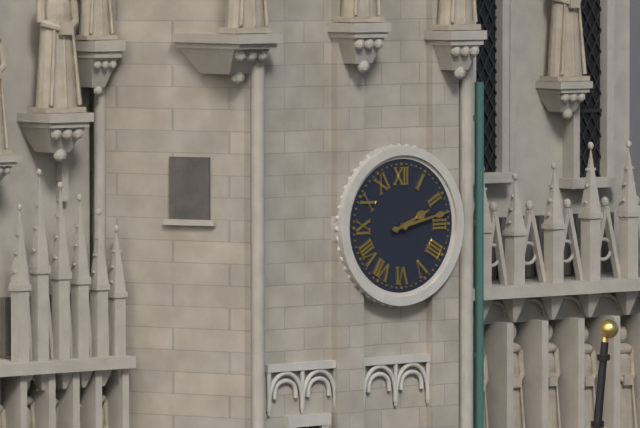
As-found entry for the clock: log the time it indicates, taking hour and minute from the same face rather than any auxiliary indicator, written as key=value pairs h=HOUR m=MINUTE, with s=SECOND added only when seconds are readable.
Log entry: h=2 m=13
